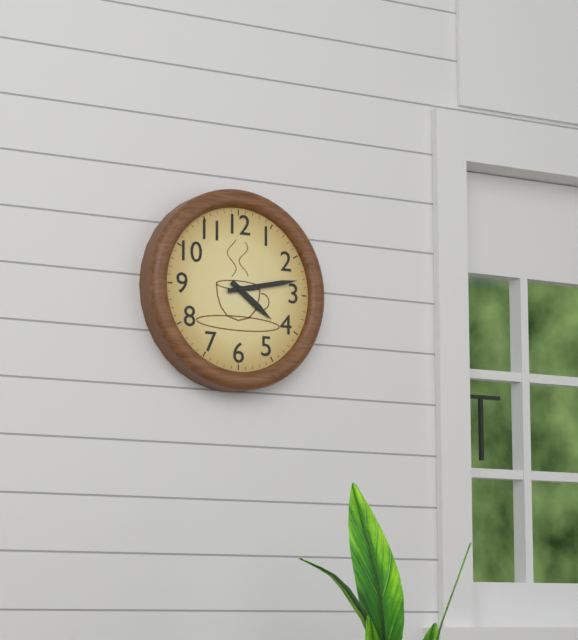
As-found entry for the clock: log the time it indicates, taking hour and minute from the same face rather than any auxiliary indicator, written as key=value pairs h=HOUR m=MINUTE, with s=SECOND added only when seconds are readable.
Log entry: h=4 m=13
